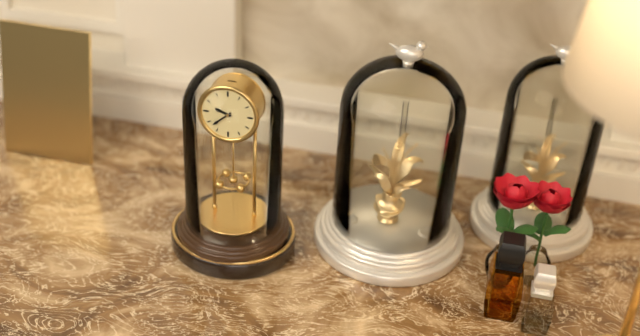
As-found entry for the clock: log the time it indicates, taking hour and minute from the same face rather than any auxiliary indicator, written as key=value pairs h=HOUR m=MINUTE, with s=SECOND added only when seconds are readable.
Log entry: h=9 m=38
